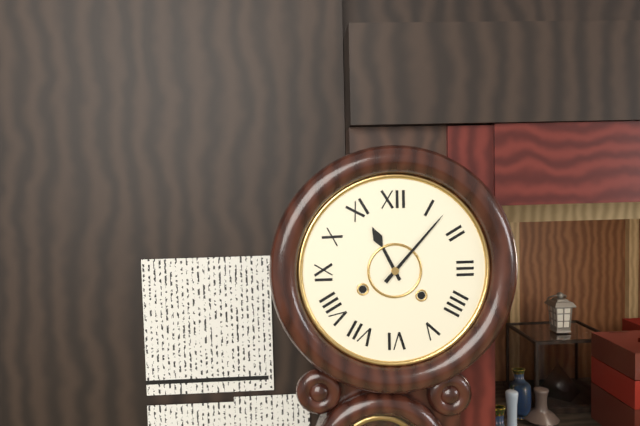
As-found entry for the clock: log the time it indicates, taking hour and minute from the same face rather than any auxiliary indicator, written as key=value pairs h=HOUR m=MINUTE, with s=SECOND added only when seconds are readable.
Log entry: h=11 m=7
